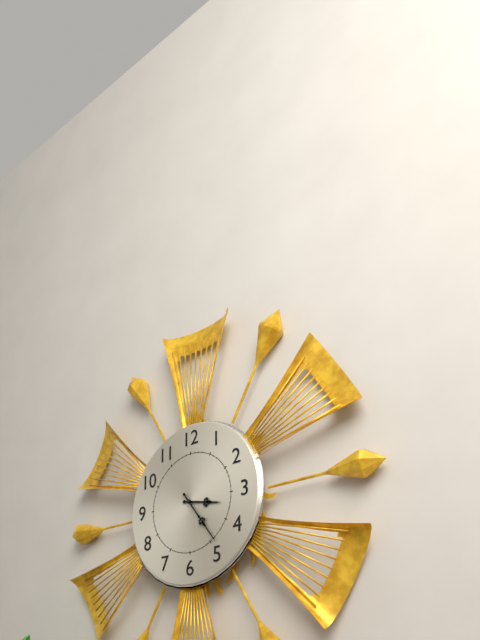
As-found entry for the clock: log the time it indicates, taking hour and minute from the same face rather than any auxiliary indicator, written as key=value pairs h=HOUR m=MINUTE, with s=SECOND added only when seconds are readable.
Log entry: h=3 m=24
